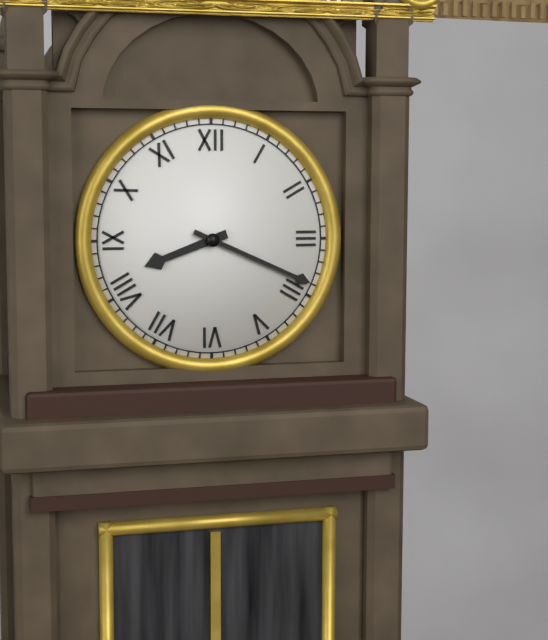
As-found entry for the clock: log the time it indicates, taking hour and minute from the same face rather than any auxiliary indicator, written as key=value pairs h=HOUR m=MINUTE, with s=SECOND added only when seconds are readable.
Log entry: h=8 m=19
